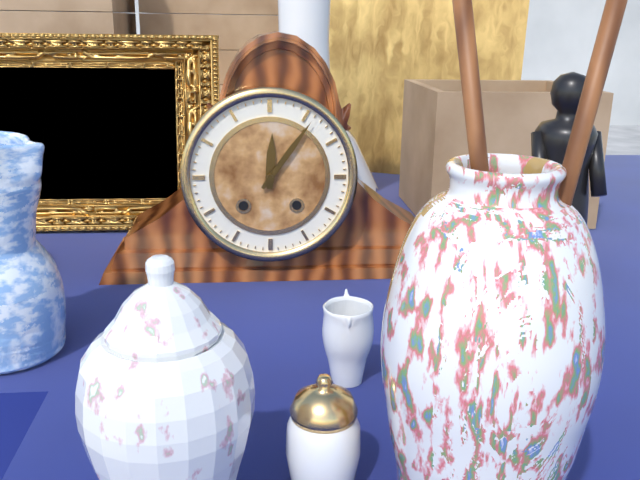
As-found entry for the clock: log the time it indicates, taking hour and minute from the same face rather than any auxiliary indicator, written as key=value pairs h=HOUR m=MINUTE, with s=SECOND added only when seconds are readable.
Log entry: h=12 m=6
